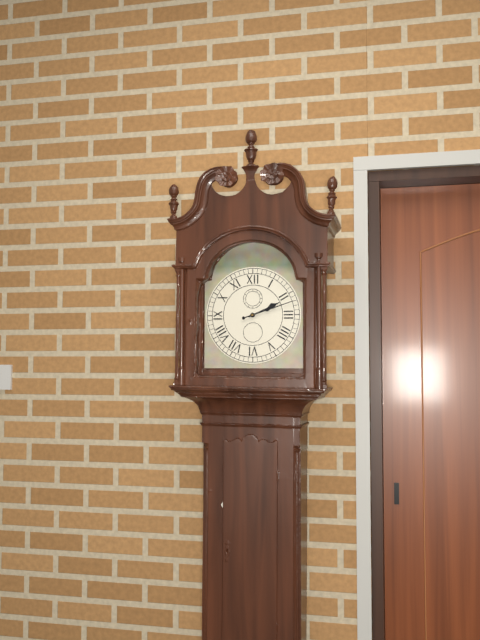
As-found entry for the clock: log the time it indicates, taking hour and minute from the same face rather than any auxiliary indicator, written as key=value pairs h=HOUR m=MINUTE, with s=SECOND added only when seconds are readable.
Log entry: h=2 m=12
